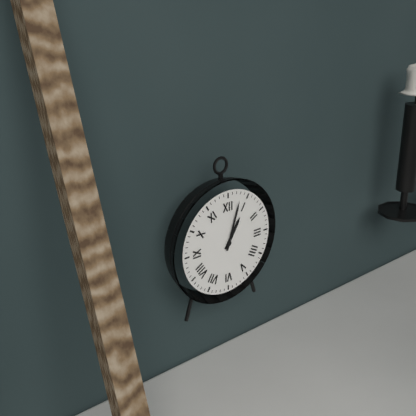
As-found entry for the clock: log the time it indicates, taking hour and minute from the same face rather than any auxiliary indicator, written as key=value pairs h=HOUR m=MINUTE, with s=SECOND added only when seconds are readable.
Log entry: h=1 m=3
